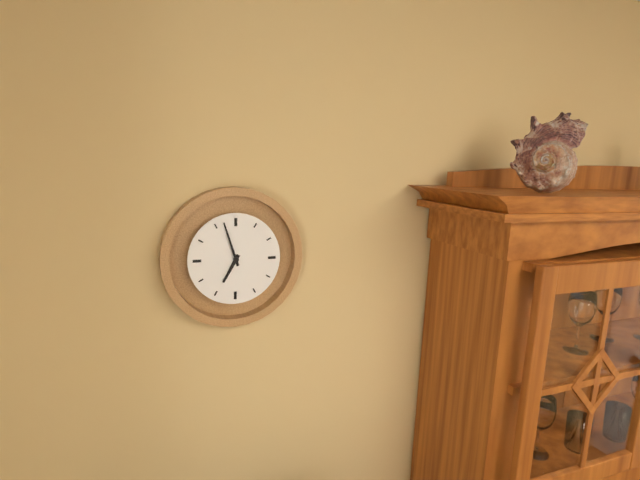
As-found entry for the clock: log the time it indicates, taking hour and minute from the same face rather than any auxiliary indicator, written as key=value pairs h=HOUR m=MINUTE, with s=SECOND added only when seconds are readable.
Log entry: h=6 m=57
